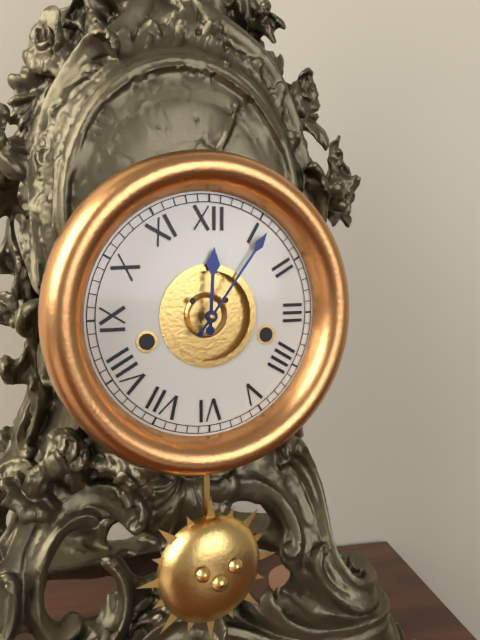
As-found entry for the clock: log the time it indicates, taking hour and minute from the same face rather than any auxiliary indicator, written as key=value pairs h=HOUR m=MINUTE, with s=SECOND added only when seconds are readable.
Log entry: h=12 m=6
